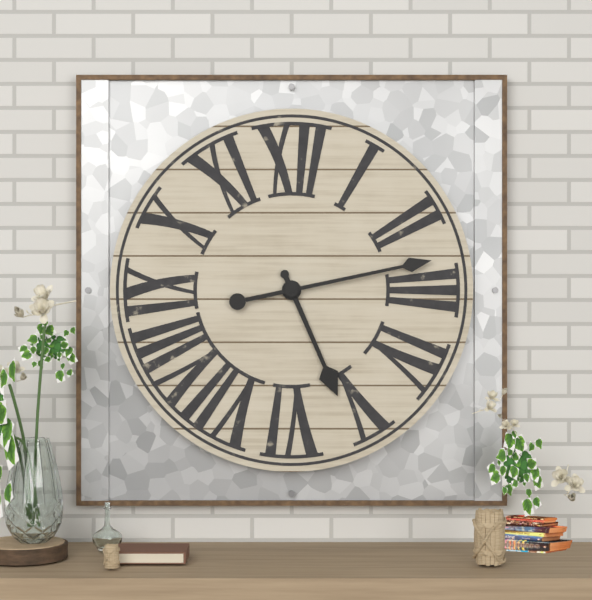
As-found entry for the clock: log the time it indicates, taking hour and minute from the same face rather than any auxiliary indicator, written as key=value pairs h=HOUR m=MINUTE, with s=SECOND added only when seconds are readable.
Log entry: h=5 m=13
